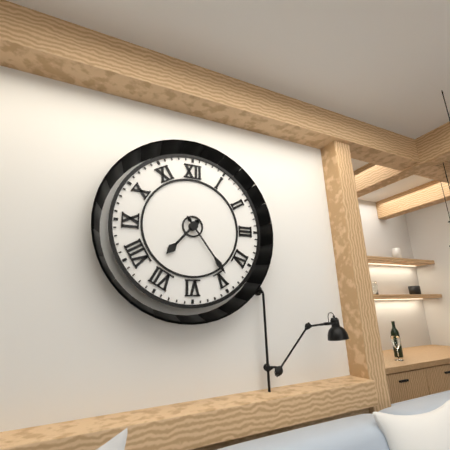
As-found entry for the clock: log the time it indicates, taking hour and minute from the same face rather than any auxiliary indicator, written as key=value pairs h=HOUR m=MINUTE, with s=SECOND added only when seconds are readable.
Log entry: h=7 m=24
